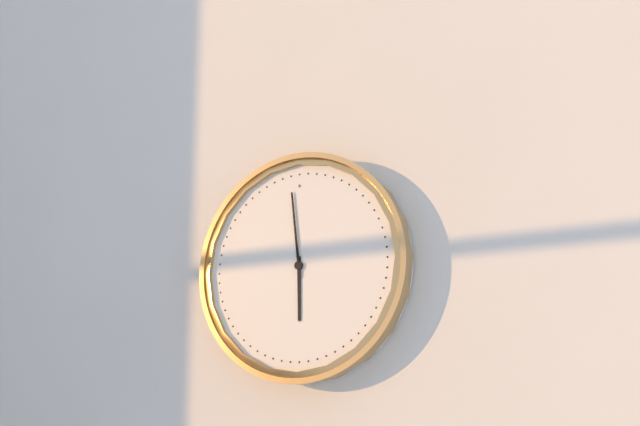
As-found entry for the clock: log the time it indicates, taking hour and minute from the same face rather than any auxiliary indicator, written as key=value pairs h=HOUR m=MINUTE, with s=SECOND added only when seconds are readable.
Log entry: h=5 m=59
